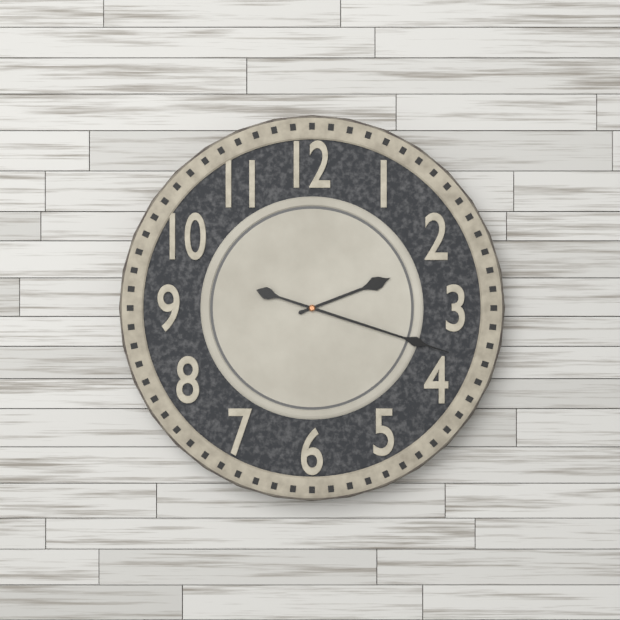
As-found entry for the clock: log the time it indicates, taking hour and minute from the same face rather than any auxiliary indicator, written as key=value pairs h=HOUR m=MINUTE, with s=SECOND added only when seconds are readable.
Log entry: h=2 m=18
